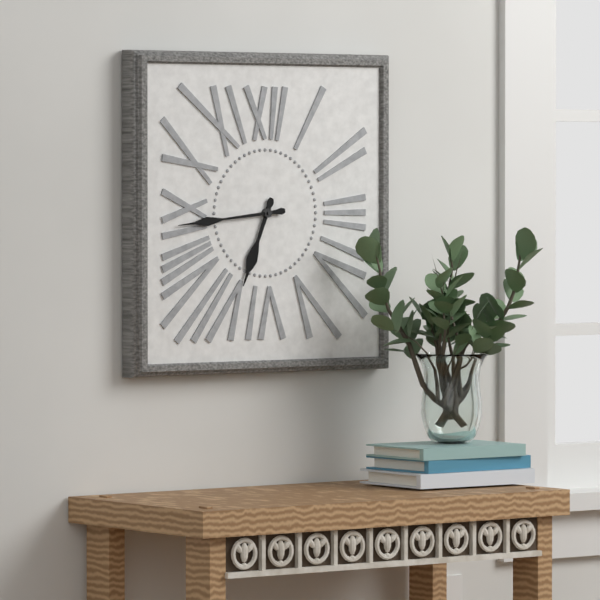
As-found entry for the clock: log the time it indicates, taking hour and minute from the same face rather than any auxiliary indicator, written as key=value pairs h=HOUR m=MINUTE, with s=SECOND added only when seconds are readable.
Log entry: h=6 m=44
